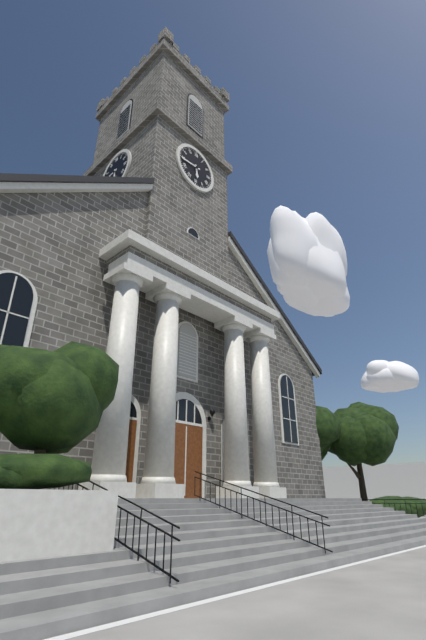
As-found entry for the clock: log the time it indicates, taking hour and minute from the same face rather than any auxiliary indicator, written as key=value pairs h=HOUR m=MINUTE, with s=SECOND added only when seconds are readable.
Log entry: h=5 m=44
